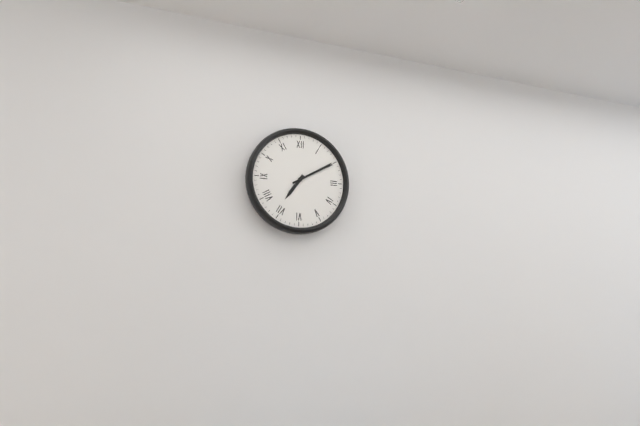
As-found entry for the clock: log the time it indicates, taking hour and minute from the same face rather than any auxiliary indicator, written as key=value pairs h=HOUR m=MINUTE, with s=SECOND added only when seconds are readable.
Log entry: h=7 m=10
